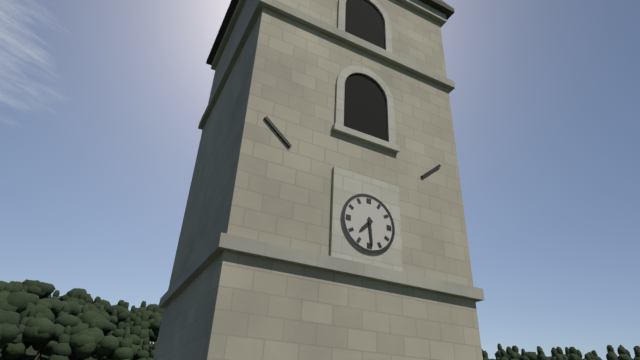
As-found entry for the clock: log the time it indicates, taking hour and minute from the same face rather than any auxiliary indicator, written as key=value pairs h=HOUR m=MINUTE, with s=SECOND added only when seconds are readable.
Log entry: h=7 m=29
